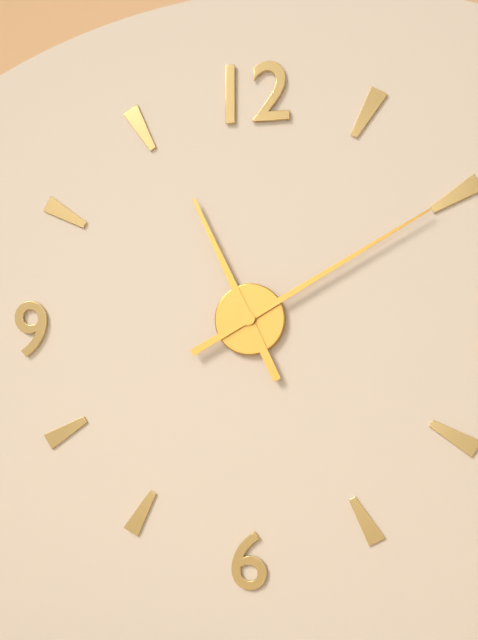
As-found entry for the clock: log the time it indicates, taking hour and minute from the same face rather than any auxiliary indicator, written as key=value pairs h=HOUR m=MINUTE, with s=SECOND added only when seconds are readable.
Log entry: h=11 m=10
